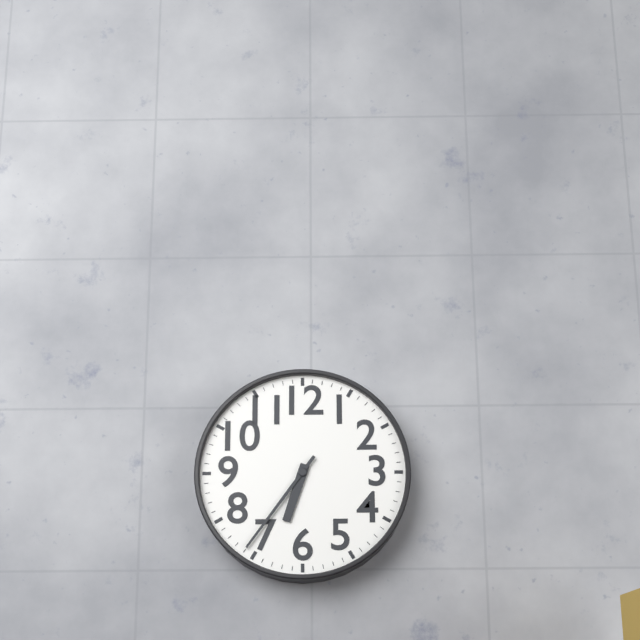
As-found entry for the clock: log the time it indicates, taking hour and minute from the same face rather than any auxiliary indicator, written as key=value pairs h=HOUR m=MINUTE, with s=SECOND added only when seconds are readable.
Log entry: h=6 m=36
